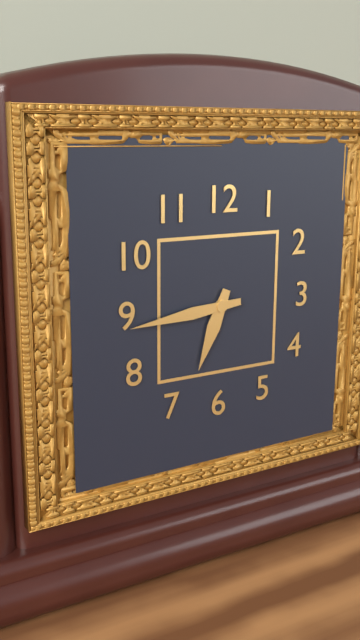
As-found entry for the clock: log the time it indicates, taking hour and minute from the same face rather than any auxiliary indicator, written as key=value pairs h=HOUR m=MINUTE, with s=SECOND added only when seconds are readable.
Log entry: h=6 m=44
